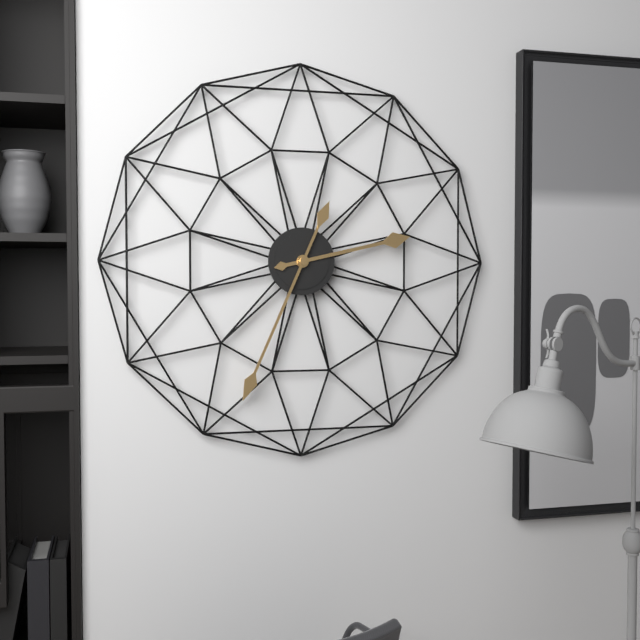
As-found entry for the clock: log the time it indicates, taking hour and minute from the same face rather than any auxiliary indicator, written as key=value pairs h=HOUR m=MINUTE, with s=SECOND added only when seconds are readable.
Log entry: h=2 m=34
